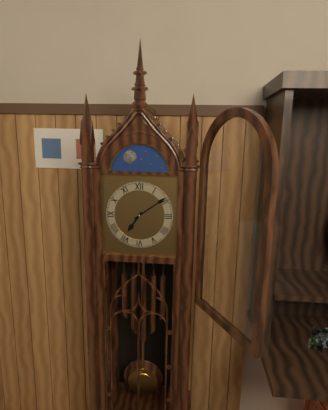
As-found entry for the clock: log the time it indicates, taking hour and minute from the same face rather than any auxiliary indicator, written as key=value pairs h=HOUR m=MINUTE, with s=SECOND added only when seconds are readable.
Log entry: h=7 m=9
